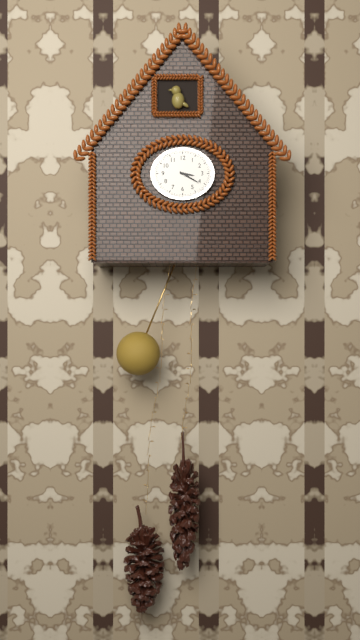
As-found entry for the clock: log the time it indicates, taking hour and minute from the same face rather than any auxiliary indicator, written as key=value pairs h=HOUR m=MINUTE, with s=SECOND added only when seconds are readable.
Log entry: h=3 m=20
